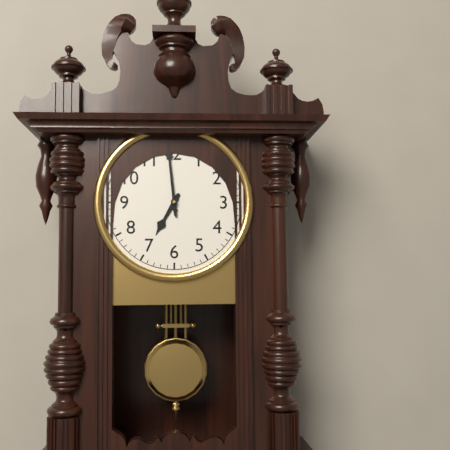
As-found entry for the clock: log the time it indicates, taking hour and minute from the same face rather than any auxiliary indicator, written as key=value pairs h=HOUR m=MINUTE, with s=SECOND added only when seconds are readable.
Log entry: h=6 m=59
